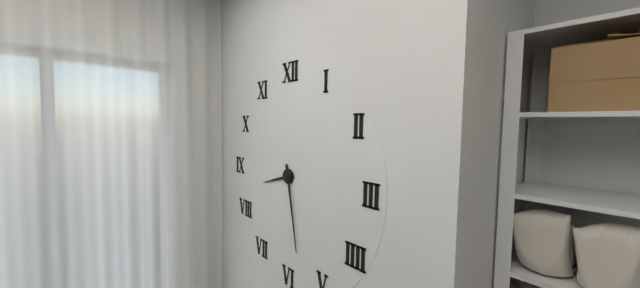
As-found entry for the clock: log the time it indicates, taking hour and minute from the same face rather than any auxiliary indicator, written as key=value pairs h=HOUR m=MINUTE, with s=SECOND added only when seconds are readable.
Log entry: h=8 m=28
